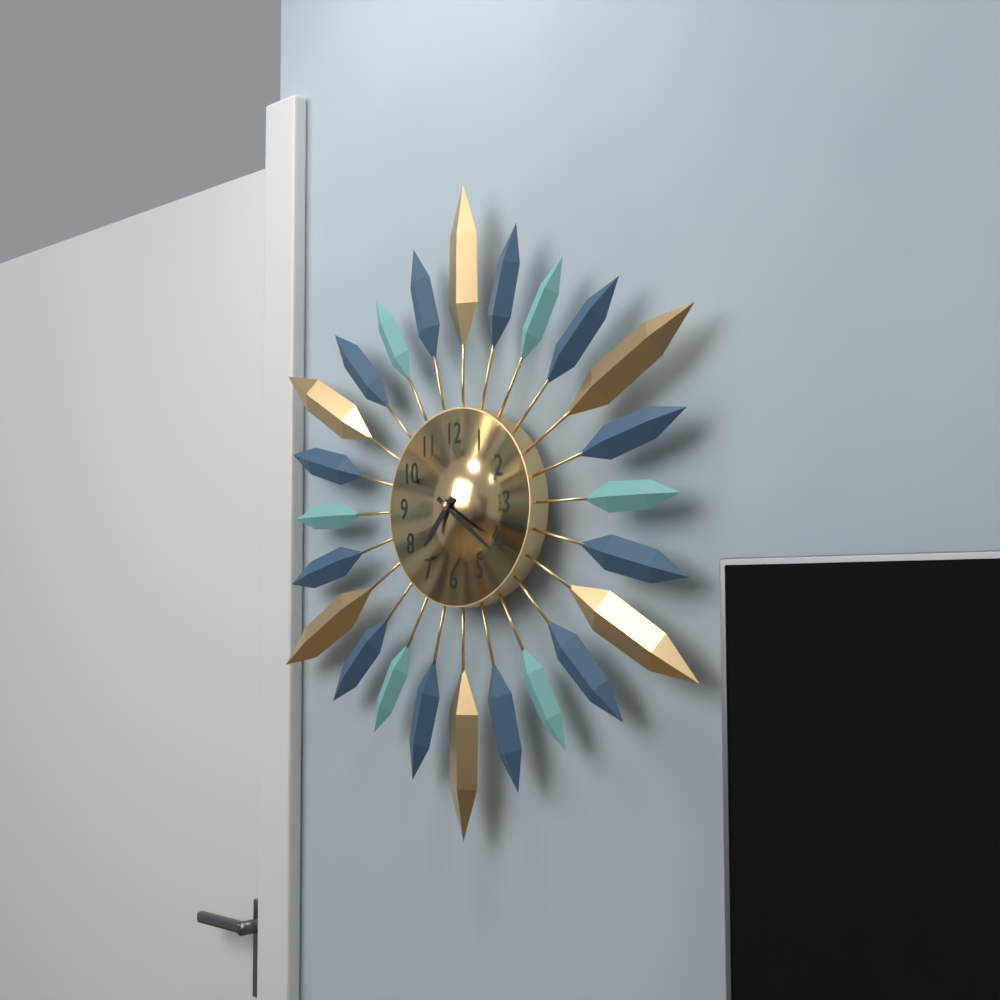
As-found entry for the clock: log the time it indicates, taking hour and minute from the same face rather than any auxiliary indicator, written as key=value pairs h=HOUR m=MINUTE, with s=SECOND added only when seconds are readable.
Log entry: h=7 m=21
